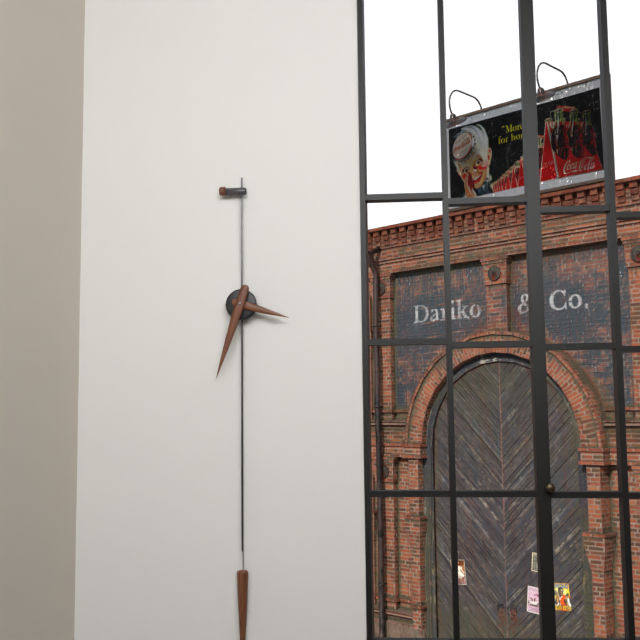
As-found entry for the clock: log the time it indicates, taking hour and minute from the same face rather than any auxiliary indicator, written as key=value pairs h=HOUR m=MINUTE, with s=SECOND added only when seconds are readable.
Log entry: h=3 m=33
